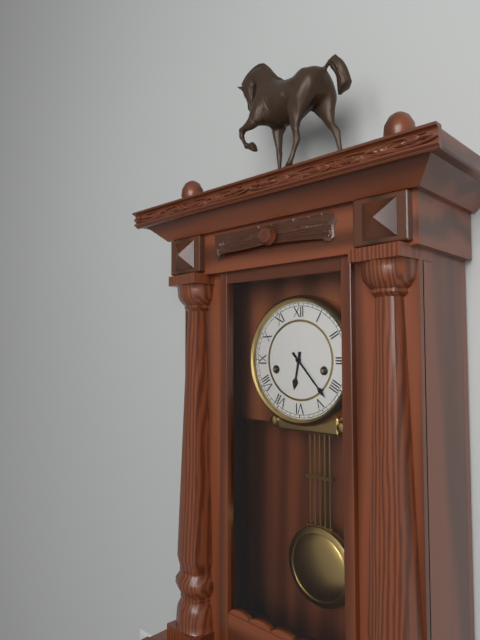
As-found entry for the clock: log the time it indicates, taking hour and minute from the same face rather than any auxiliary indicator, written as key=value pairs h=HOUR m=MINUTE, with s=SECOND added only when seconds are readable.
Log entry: h=6 m=23
